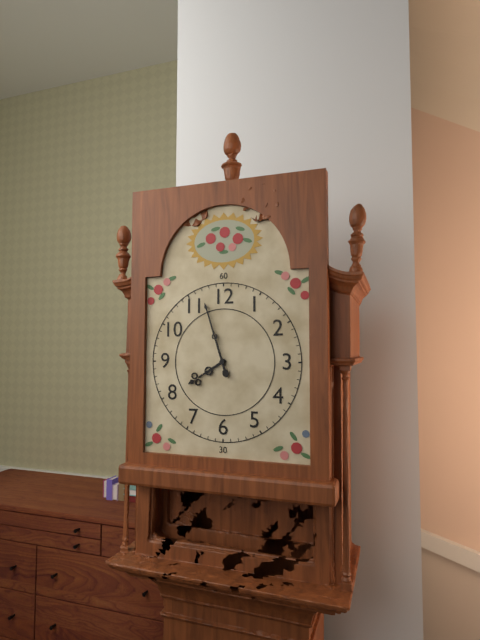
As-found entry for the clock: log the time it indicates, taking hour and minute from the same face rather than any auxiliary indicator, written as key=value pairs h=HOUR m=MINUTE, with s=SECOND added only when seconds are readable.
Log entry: h=7 m=57
